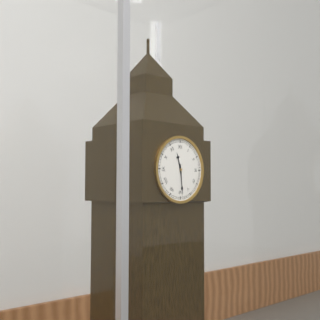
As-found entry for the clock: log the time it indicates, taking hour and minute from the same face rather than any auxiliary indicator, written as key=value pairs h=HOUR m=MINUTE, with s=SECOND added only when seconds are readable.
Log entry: h=11 m=29
